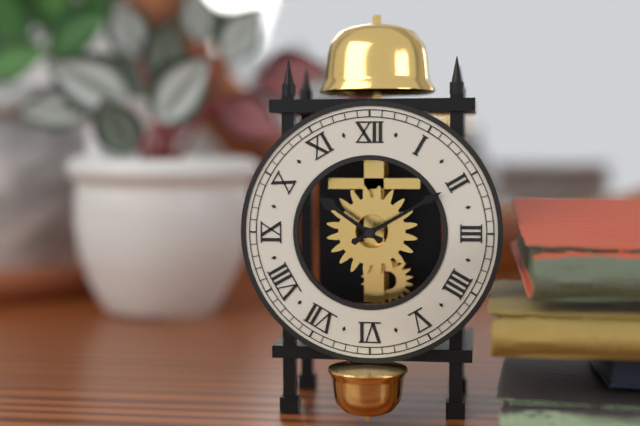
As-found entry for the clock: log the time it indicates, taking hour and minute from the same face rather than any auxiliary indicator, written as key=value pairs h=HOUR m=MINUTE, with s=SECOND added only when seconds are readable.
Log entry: h=10 m=10
